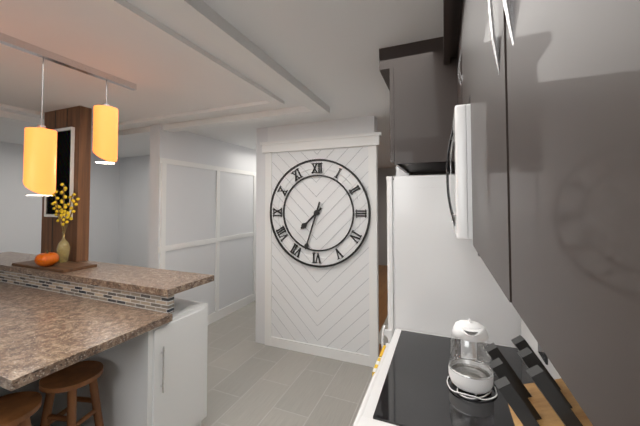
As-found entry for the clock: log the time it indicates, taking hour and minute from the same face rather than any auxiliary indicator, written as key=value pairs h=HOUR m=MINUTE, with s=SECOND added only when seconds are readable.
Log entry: h=7 m=33
